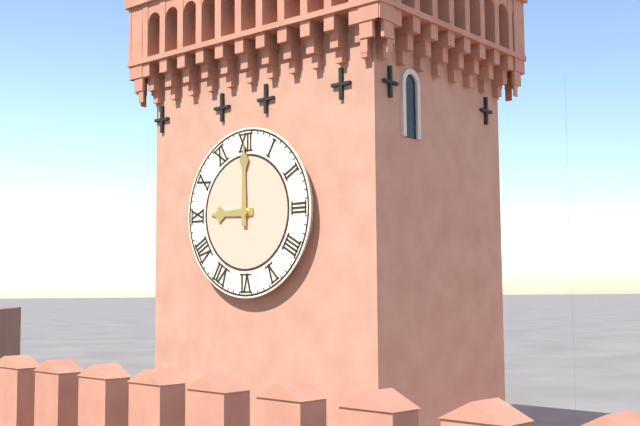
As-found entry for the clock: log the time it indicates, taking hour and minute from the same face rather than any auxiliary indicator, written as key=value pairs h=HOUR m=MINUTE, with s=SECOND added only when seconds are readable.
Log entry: h=9 m=0
